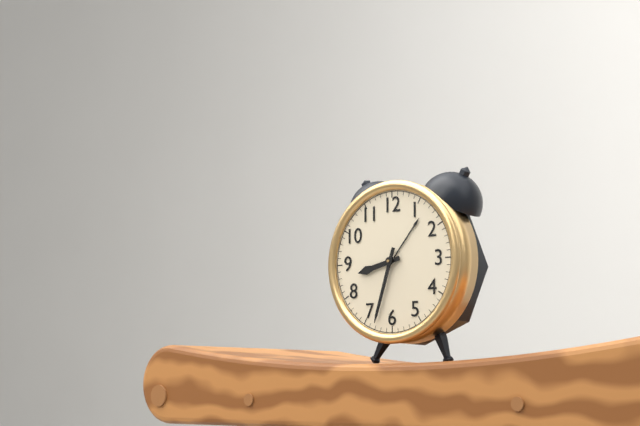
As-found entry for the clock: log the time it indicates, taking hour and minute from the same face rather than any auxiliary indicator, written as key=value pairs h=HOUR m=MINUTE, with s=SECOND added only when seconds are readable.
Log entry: h=8 m=33
